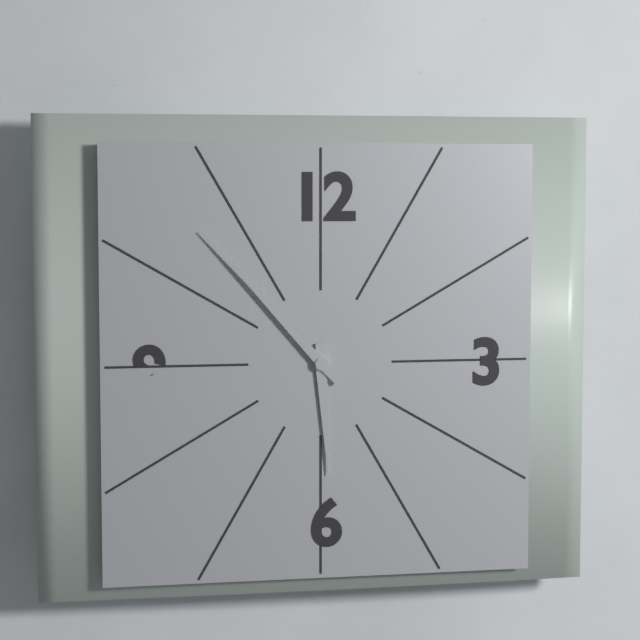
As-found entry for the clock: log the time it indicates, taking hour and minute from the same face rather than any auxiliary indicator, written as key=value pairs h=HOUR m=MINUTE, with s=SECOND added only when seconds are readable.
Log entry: h=5 m=53
